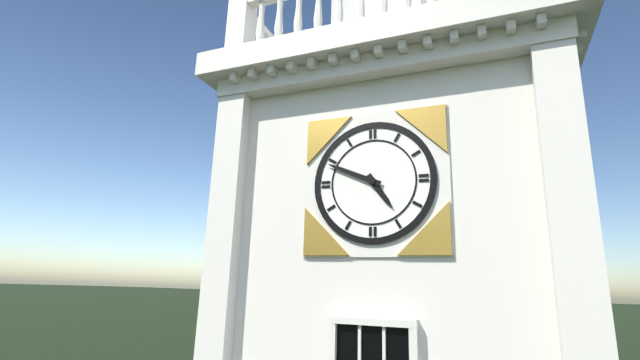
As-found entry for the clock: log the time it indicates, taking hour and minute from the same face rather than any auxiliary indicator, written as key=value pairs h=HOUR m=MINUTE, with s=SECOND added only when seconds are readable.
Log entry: h=4 m=49
